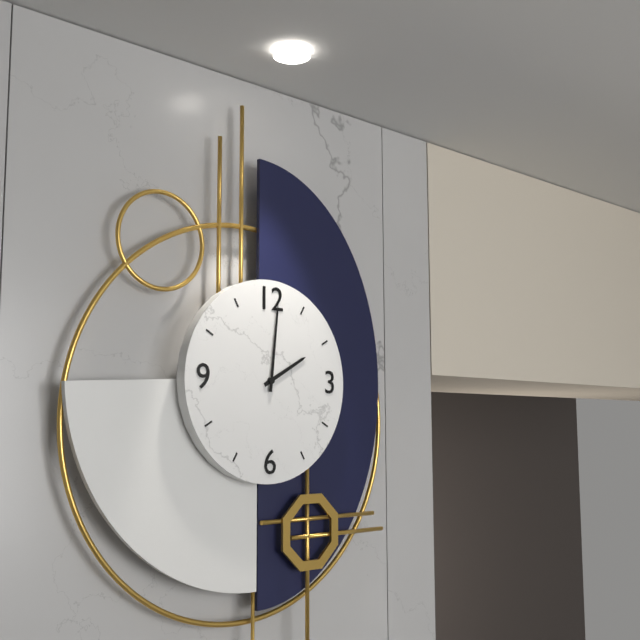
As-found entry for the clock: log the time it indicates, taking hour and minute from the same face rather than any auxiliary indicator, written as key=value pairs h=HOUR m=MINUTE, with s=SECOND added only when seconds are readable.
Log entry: h=2 m=1
